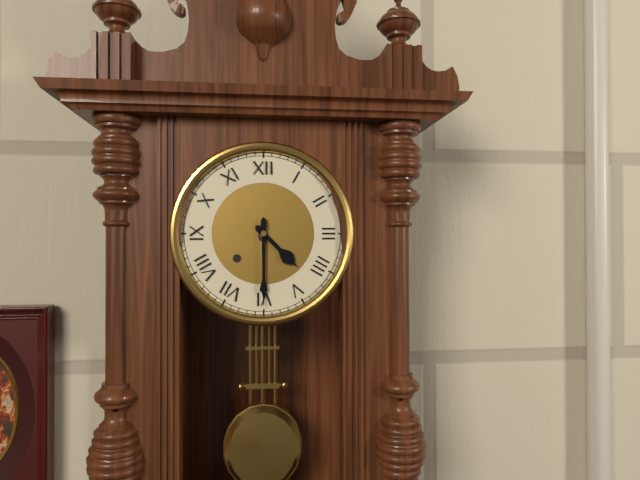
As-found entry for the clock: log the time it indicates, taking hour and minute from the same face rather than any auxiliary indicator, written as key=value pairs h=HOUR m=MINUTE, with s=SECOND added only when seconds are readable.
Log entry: h=4 m=30
